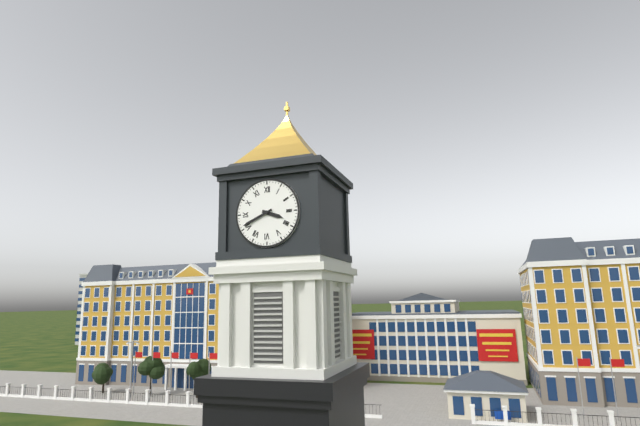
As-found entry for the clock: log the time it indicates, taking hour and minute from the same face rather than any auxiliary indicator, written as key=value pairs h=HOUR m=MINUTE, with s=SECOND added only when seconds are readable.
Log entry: h=3 m=41
